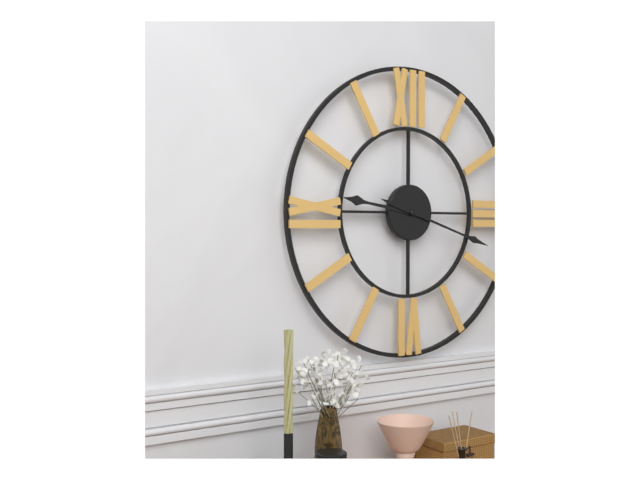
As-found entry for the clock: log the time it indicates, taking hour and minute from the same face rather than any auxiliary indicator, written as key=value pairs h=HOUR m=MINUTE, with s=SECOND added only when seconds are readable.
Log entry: h=9 m=18
